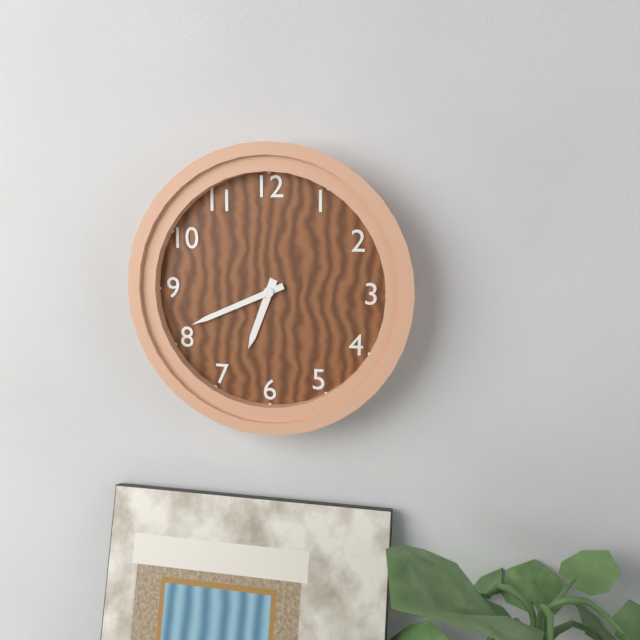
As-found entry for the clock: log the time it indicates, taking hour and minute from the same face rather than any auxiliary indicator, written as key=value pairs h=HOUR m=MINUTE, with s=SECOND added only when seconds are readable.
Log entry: h=6 m=41
